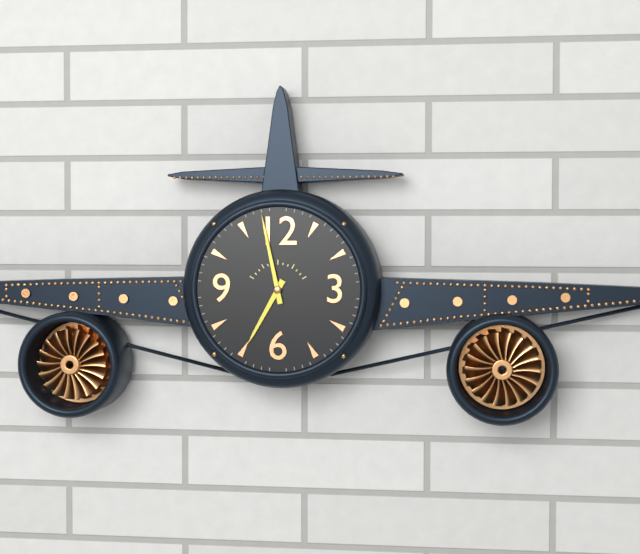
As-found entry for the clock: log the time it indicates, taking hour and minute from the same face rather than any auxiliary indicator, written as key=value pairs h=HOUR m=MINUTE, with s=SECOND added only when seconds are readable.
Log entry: h=6 m=58
